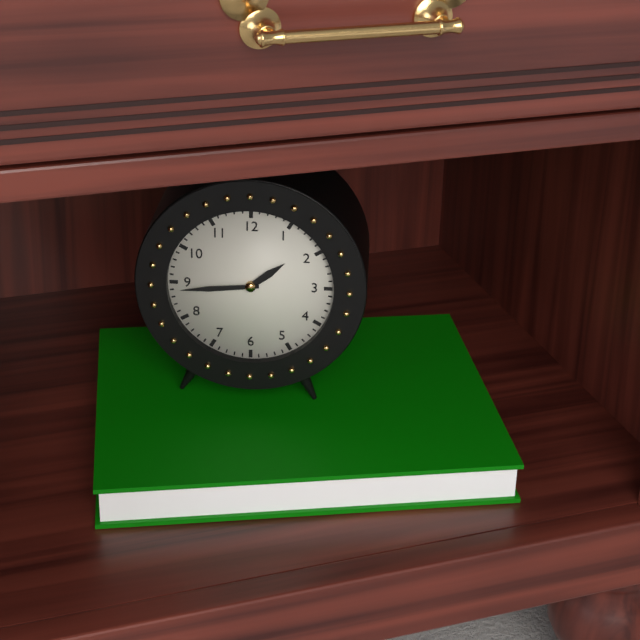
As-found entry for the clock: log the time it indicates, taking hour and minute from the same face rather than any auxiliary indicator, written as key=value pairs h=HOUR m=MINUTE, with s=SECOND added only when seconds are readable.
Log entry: h=1 m=44
